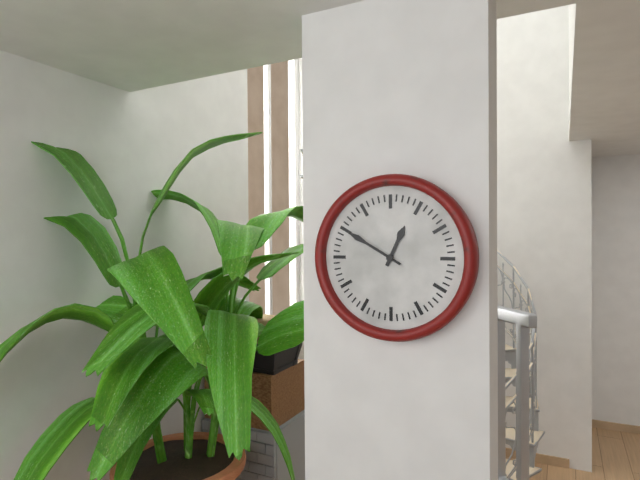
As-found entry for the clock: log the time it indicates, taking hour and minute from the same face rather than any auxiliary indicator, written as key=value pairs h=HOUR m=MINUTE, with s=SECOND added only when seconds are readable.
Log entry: h=12 m=50
